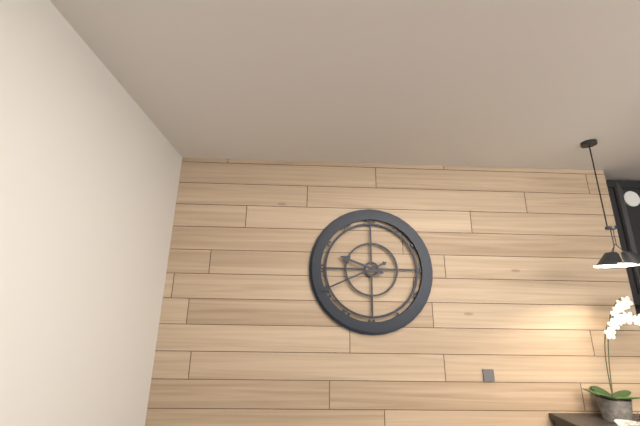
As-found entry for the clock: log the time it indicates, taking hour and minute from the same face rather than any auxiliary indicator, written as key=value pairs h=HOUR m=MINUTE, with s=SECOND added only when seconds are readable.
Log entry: h=9 m=41
